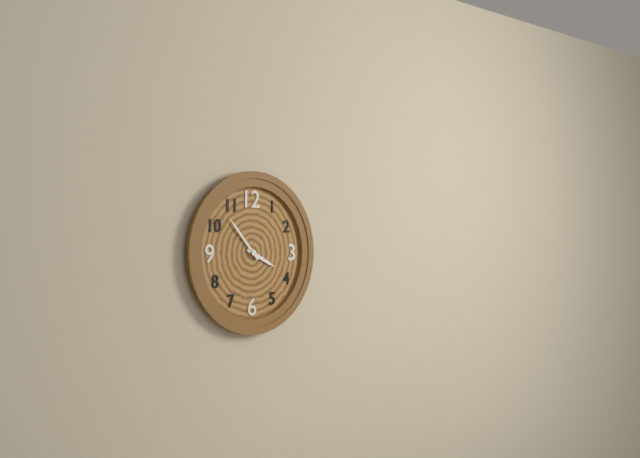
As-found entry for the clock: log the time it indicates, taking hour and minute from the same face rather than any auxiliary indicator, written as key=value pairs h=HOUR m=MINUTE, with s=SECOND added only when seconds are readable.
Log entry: h=3 m=53
